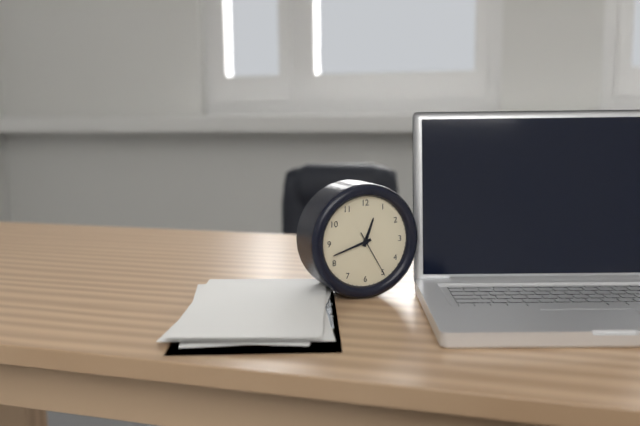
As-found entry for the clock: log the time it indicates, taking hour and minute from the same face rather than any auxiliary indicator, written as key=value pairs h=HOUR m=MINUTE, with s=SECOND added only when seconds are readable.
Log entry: h=12 m=42
